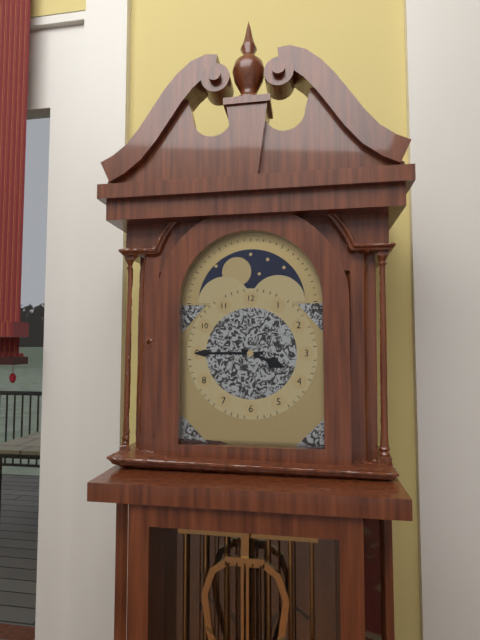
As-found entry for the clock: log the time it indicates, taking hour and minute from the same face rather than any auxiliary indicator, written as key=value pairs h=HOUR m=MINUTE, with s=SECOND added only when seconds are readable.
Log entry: h=3 m=45
